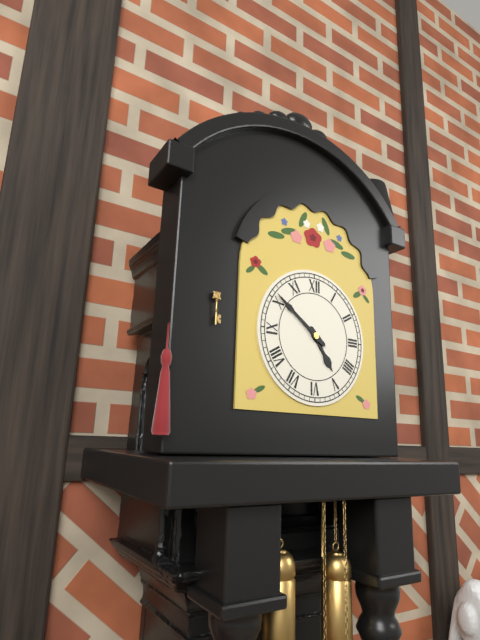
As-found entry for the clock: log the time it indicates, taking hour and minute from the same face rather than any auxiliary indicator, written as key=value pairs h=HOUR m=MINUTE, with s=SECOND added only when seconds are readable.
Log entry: h=4 m=51
